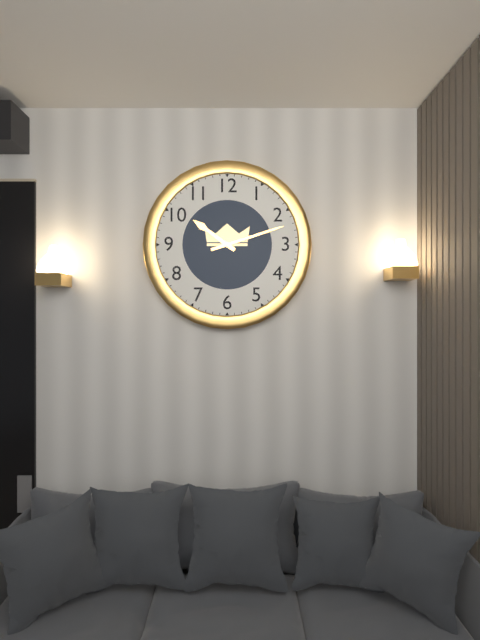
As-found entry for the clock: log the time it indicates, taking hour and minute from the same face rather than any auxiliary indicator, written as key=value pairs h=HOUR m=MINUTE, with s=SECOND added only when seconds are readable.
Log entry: h=10 m=12
